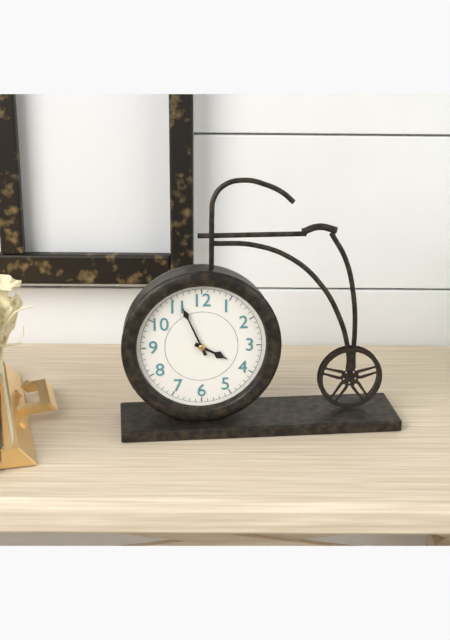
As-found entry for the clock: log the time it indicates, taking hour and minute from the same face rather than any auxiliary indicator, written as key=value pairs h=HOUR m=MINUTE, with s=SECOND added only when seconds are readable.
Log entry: h=3 m=56
